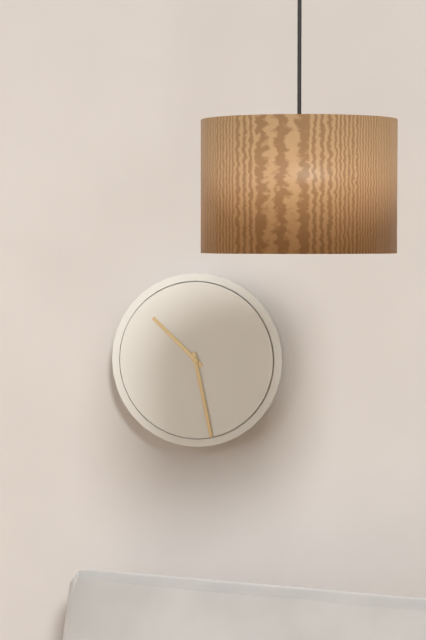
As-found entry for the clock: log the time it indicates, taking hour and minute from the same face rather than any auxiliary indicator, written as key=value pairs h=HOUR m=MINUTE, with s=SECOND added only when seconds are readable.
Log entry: h=10 m=28
